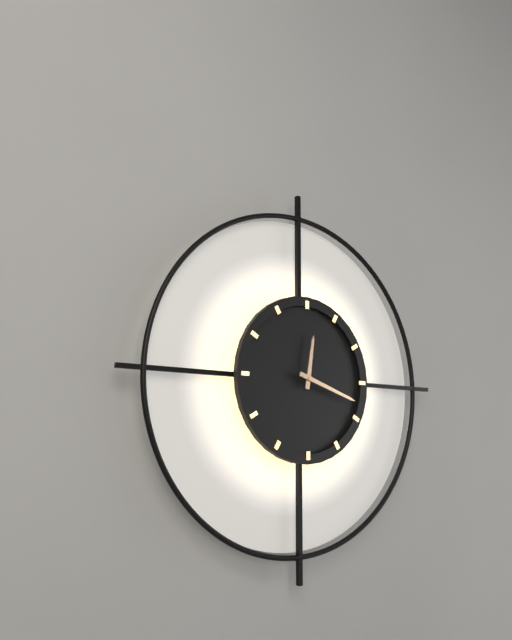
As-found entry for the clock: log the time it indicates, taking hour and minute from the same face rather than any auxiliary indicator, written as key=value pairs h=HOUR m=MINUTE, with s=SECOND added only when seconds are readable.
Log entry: h=12 m=18
